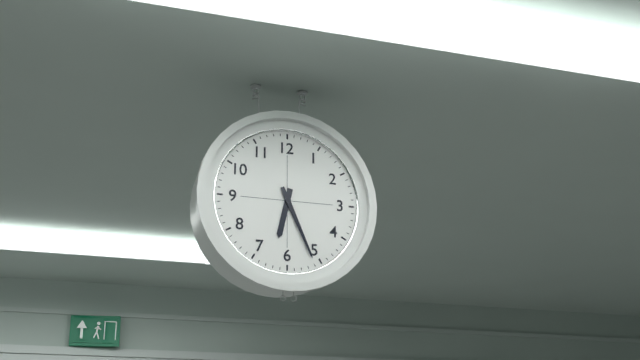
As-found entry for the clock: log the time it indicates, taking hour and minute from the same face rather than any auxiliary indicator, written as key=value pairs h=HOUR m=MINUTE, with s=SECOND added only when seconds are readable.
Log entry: h=6 m=26
